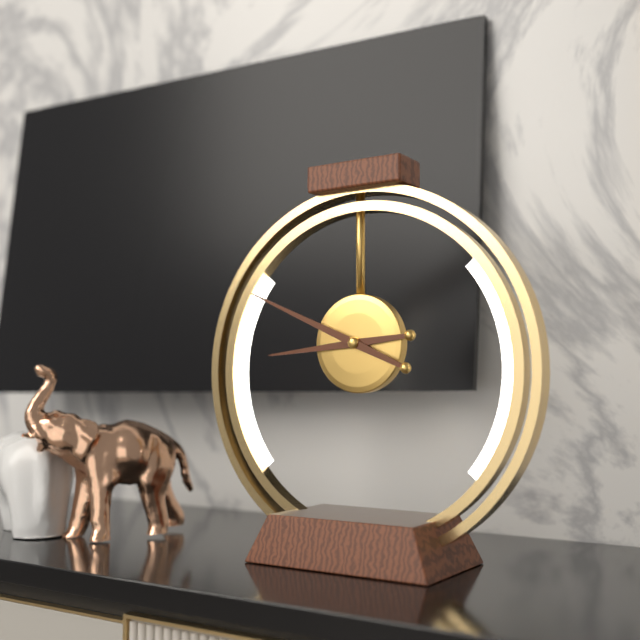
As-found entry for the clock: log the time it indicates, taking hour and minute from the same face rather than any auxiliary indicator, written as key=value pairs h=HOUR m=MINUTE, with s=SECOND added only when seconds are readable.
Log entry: h=8 m=49
